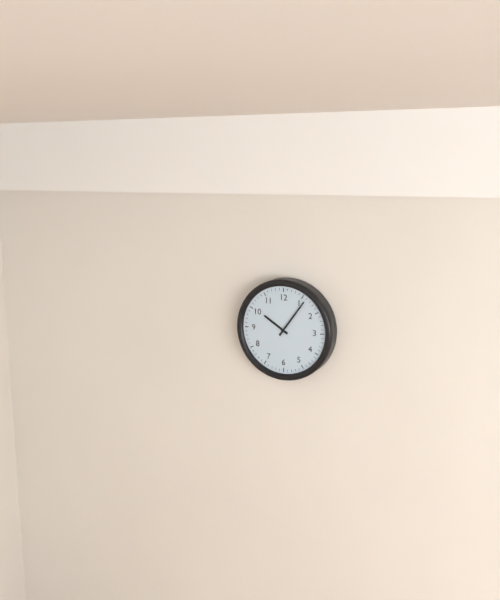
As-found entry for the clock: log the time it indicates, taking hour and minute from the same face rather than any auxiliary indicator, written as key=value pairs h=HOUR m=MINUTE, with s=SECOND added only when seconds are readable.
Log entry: h=10 m=6
